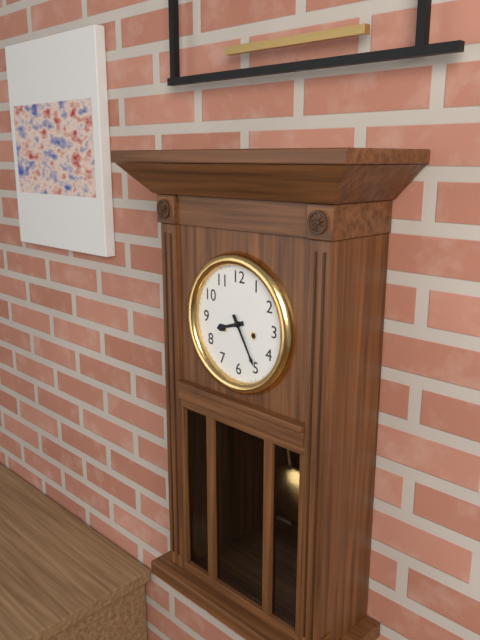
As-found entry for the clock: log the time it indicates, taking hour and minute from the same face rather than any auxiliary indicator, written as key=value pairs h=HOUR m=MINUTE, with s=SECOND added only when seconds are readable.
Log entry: h=8 m=25
